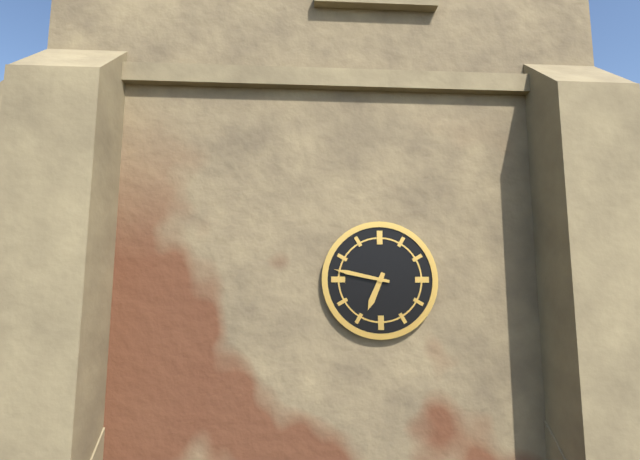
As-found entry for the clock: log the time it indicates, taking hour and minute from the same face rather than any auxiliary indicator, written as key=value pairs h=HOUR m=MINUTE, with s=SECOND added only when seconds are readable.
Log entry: h=6 m=47
